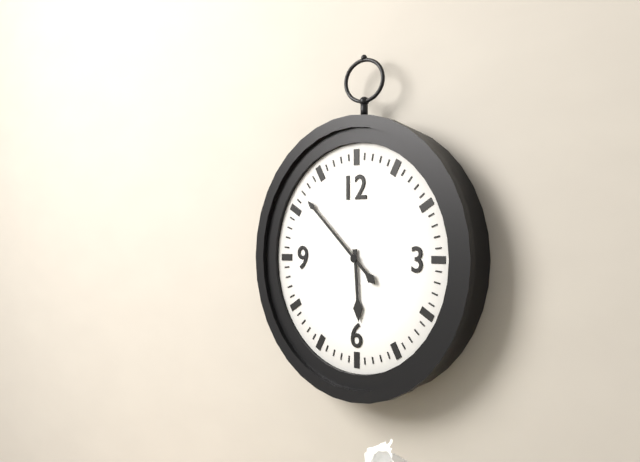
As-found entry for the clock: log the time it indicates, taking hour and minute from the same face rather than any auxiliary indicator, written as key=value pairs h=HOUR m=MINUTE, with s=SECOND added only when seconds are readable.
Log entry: h=5 m=52
